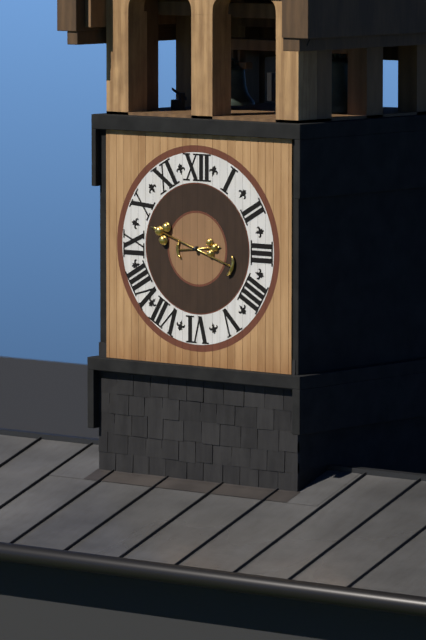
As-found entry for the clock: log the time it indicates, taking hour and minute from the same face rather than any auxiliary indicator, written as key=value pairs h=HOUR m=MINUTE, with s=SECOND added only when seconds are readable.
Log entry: h=2 m=48
